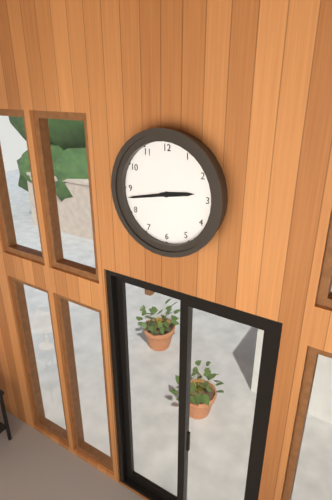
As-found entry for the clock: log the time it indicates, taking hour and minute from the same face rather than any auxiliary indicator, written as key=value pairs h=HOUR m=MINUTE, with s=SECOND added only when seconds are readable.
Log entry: h=2 m=43
